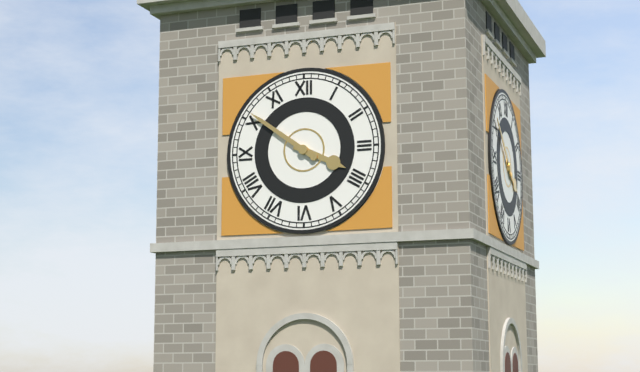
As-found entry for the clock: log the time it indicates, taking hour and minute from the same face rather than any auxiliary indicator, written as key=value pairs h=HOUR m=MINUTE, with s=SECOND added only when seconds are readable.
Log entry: h=3 m=51
